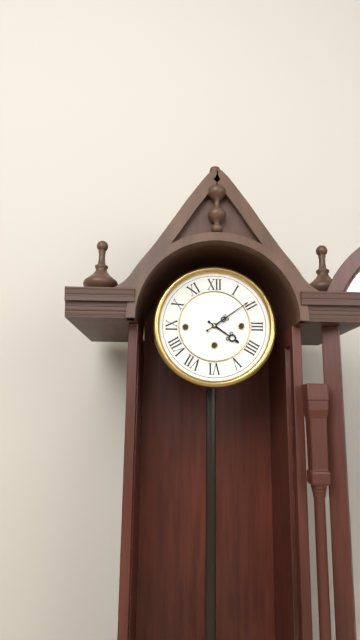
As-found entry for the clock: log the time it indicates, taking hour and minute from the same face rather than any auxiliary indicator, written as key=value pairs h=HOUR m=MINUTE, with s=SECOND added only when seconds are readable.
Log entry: h=4 m=9
